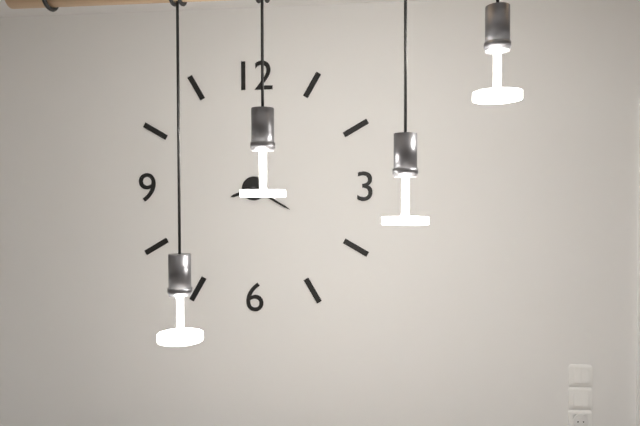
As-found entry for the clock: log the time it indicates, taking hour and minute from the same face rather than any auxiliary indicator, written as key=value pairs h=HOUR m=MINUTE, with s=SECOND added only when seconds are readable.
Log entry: h=8 m=20
